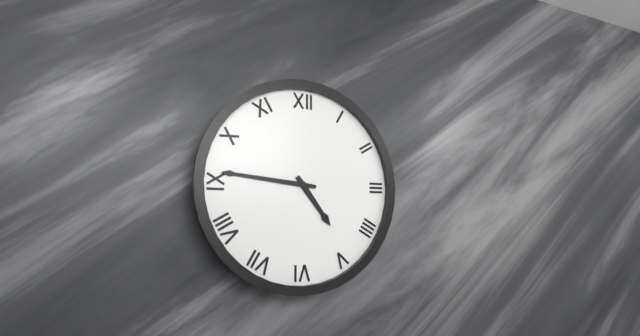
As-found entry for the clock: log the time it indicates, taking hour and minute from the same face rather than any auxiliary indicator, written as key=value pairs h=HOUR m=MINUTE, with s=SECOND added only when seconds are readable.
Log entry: h=4 m=46
